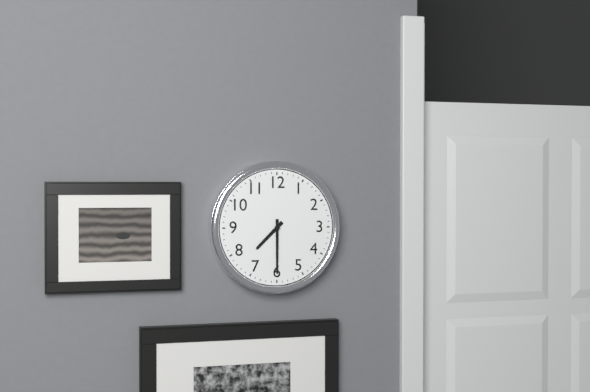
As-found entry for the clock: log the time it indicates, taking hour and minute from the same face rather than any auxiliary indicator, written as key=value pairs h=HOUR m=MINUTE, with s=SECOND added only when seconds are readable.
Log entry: h=7 m=30
